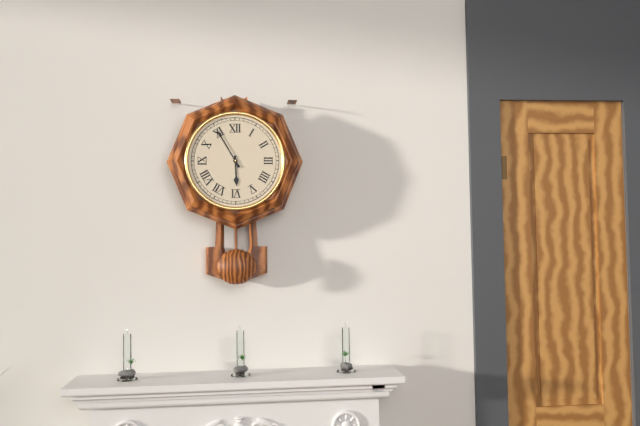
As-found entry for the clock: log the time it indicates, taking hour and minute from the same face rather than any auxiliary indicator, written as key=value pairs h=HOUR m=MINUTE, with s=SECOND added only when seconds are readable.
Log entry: h=5 m=55
